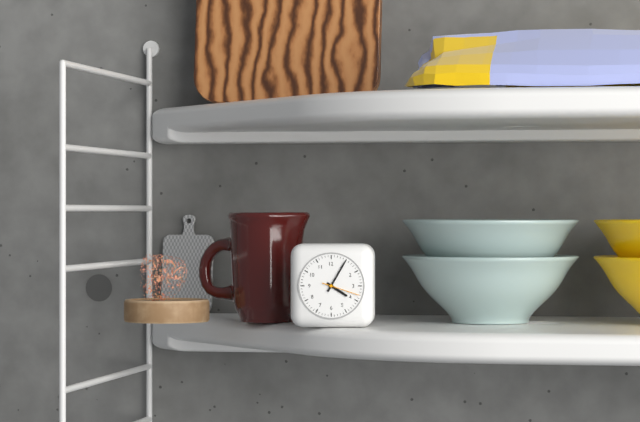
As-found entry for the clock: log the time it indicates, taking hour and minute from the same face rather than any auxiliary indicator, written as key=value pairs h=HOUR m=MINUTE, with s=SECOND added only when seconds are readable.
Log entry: h=4 m=5
